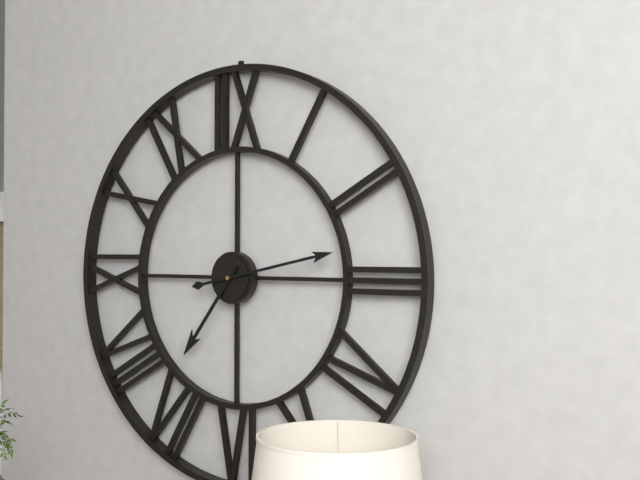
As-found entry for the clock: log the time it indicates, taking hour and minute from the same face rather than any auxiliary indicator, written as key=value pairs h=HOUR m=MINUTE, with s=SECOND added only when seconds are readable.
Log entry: h=7 m=13
